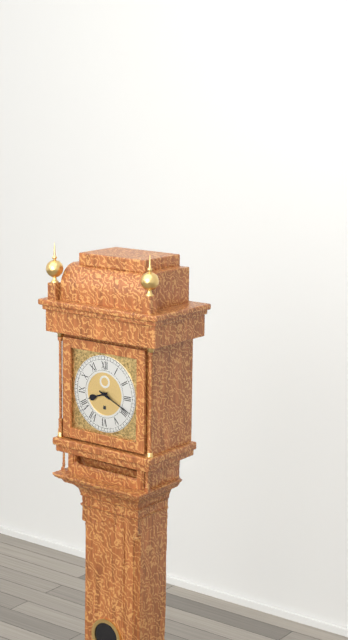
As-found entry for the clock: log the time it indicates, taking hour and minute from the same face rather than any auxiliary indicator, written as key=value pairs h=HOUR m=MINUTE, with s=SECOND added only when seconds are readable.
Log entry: h=8 m=19
